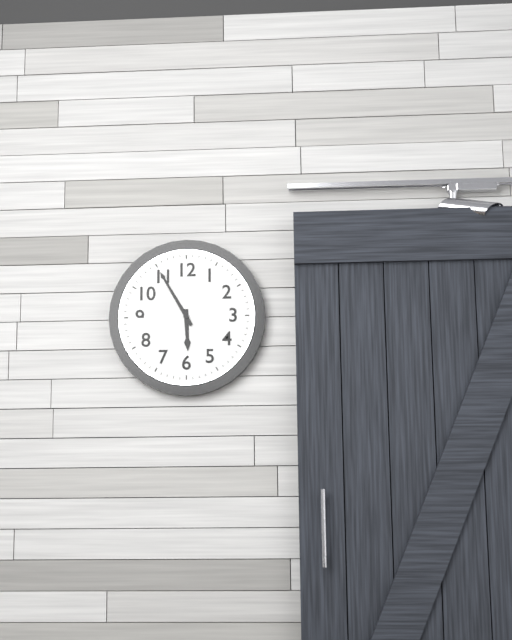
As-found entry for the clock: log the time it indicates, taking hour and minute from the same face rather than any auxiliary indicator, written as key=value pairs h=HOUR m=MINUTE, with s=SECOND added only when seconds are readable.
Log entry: h=5 m=55
